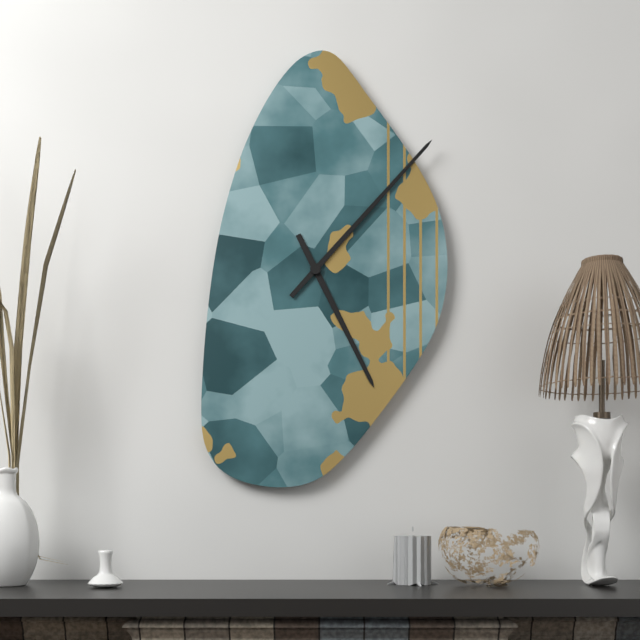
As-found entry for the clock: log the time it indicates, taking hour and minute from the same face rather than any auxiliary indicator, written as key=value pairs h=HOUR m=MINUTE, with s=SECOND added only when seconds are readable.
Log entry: h=5 m=7
